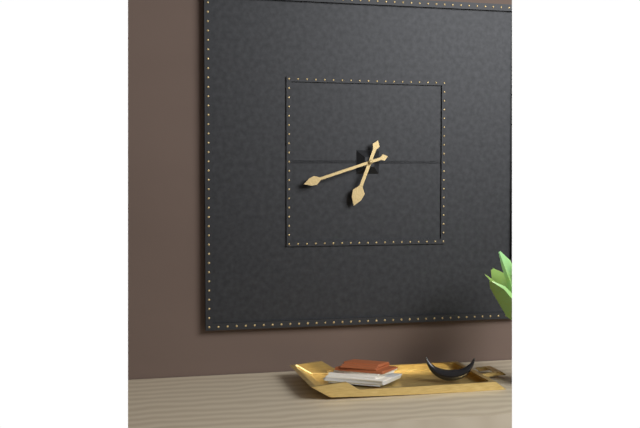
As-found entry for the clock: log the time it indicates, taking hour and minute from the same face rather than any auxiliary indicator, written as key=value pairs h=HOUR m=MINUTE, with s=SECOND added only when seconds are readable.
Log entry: h=6 m=42
